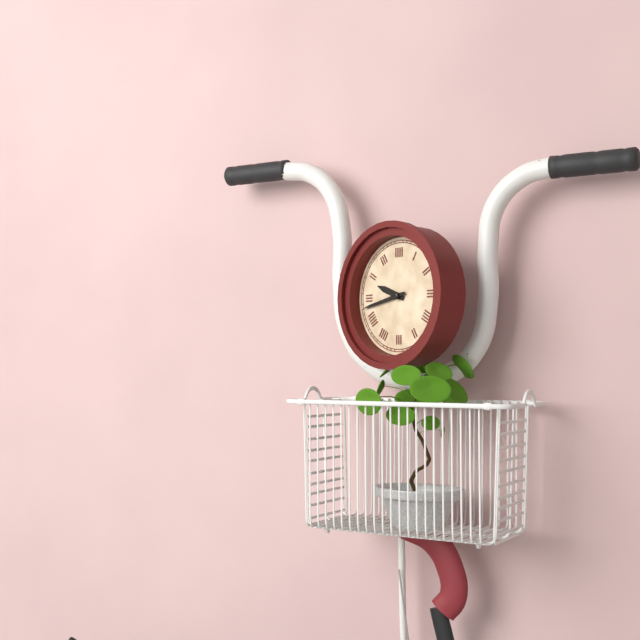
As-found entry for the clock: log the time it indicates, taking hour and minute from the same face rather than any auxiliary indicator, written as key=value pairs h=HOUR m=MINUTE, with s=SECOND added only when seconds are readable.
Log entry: h=9 m=43
